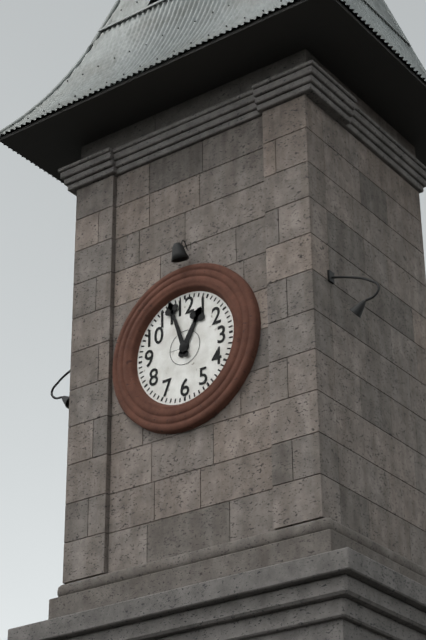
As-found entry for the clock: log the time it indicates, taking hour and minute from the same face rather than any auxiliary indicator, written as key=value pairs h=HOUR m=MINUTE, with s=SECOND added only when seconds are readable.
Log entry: h=12 m=57
